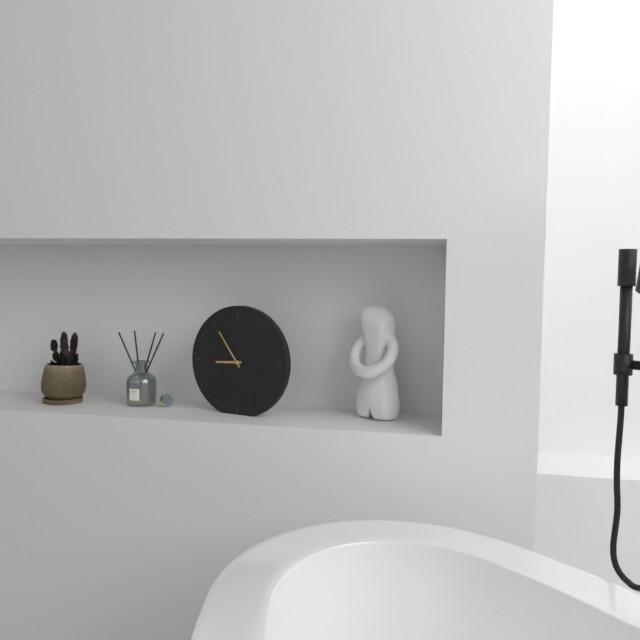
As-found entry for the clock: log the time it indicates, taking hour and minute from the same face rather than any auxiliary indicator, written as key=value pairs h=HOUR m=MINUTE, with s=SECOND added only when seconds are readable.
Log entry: h=8 m=54
